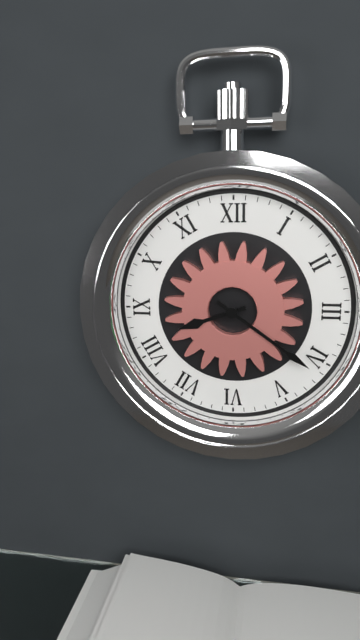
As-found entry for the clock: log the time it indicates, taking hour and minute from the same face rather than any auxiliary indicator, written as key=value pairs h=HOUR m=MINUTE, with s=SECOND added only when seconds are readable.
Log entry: h=8 m=21
